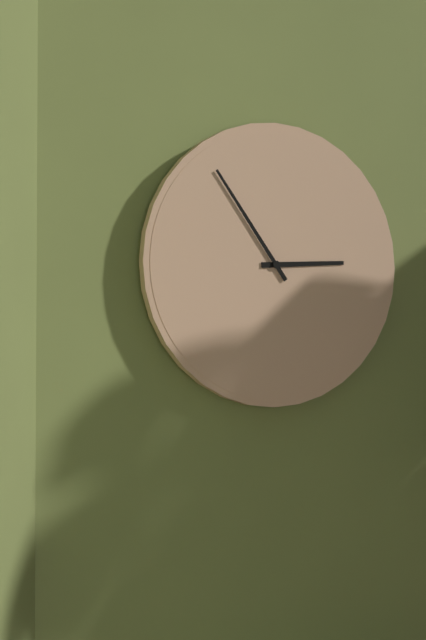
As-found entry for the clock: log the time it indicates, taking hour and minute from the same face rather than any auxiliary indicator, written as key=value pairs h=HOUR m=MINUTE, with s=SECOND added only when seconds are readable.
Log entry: h=2 m=54
